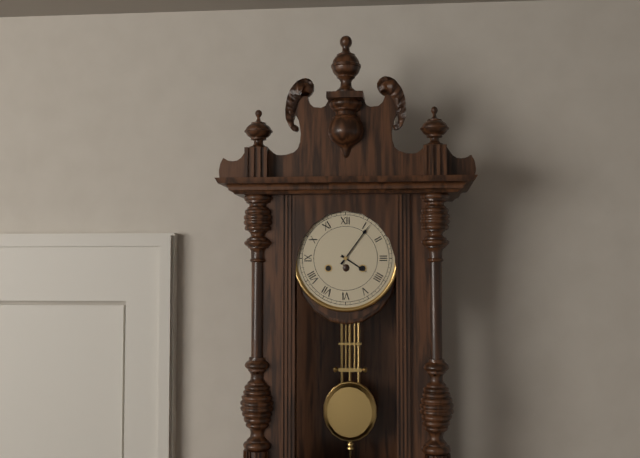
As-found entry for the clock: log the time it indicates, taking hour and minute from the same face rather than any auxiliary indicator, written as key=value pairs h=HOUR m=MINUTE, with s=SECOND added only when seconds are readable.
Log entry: h=4 m=6
